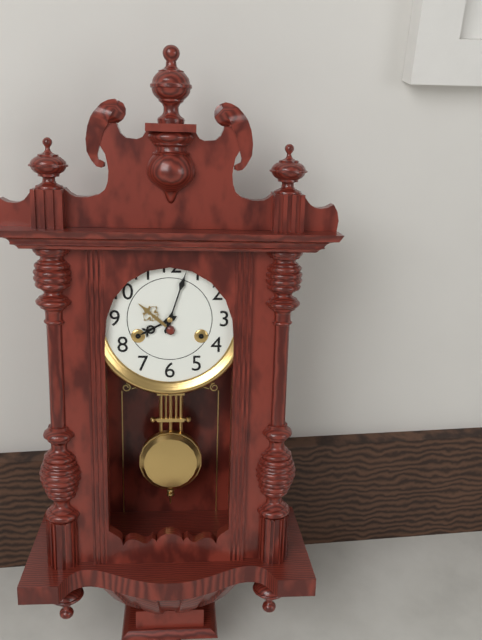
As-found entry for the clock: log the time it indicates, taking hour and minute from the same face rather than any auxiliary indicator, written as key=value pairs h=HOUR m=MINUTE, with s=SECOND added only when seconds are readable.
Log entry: h=8 m=3
